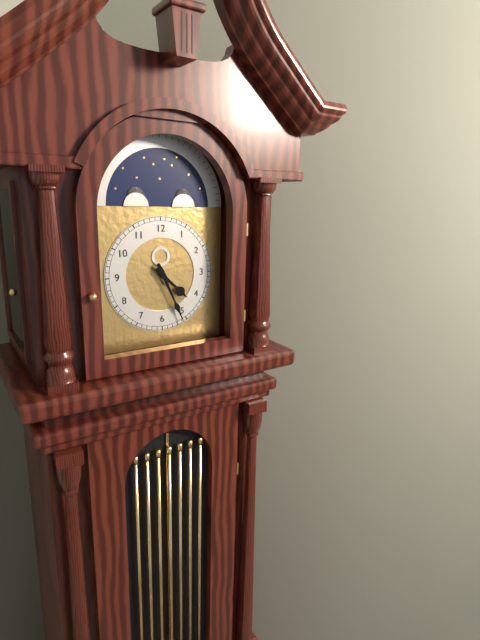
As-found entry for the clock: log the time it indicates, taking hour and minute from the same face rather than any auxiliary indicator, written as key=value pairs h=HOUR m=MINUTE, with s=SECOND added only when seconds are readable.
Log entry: h=4 m=26
